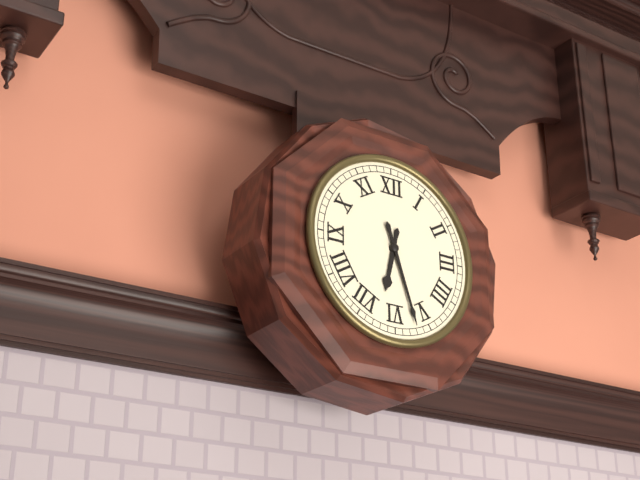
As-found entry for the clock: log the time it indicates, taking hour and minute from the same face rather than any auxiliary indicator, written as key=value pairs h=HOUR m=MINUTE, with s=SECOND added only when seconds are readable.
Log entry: h=6 m=27
